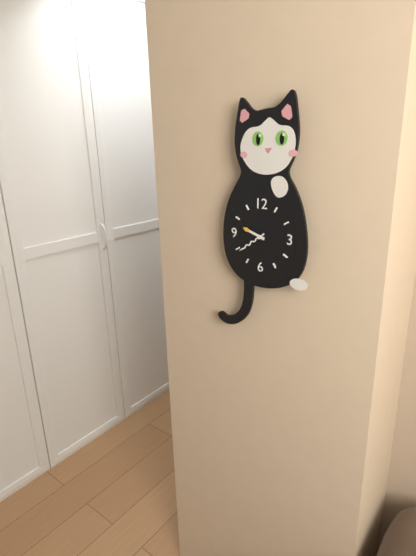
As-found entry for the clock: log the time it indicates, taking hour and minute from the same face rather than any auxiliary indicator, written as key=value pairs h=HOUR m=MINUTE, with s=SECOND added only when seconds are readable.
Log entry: h=9 m=39
